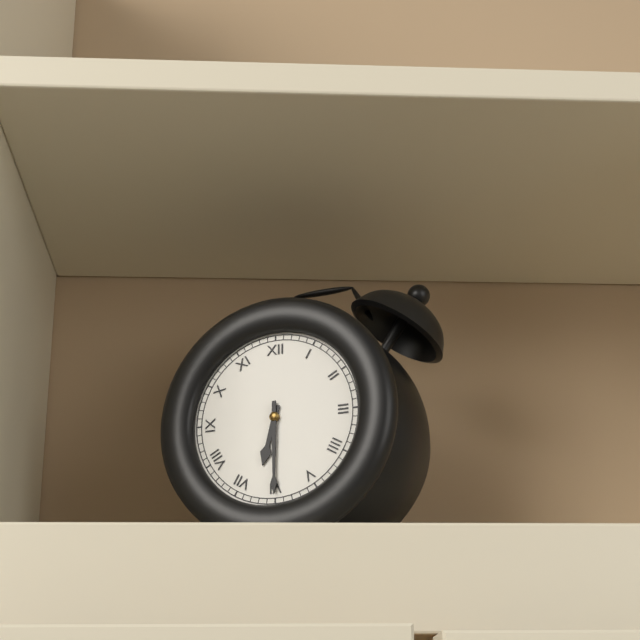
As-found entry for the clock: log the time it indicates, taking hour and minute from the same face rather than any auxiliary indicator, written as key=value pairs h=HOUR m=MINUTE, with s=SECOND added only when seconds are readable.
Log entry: h=6 m=30
